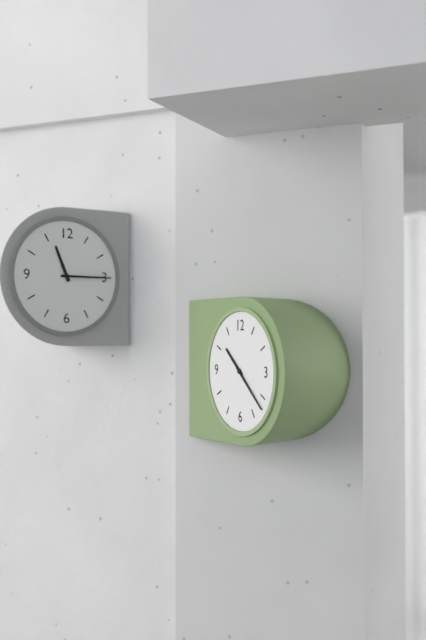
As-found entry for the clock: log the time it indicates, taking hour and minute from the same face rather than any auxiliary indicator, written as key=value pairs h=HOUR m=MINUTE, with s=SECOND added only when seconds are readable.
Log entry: h=10 m=22
